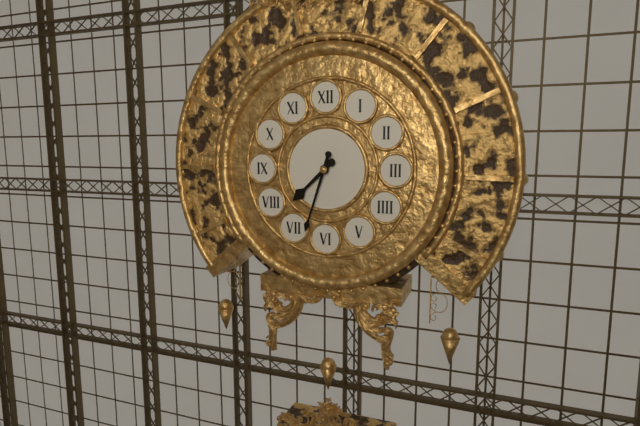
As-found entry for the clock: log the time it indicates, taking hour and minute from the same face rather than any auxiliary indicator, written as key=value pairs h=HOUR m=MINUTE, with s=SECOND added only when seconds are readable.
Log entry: h=7 m=33
